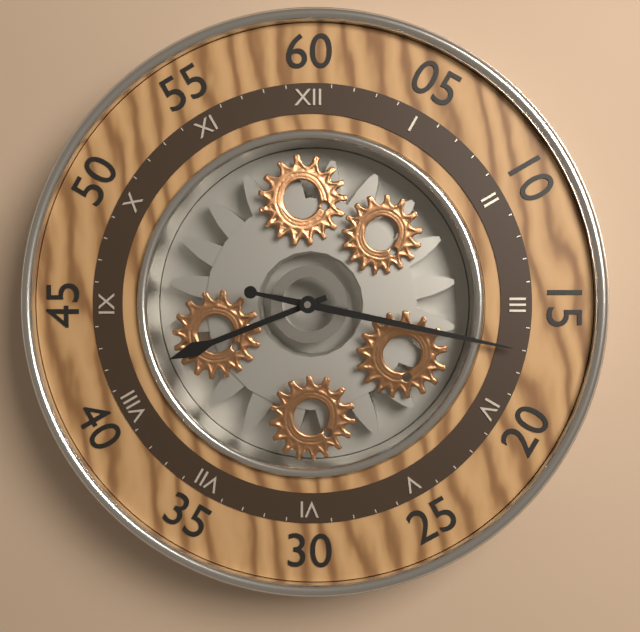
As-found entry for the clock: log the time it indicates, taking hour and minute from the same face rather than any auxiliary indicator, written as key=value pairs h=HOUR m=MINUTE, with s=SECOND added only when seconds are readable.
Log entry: h=8 m=17
